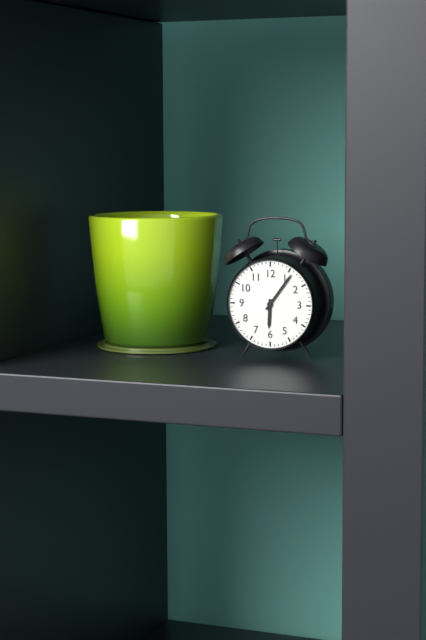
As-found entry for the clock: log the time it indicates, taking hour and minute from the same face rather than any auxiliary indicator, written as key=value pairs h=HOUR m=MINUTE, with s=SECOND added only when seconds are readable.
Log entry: h=6 m=6
